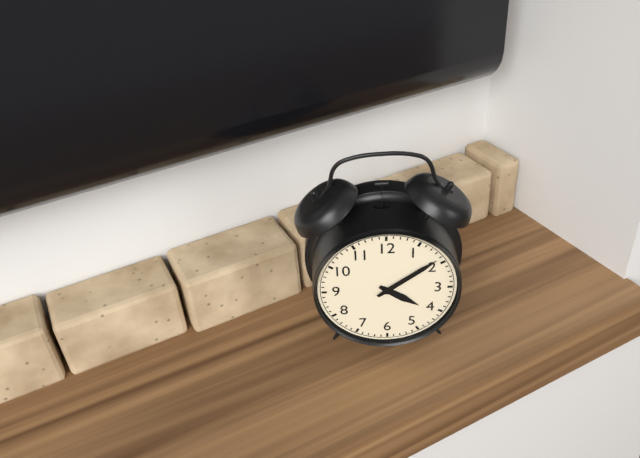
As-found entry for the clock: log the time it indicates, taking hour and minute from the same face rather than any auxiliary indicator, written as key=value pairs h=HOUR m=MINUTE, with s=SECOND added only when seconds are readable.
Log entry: h=4 m=9
